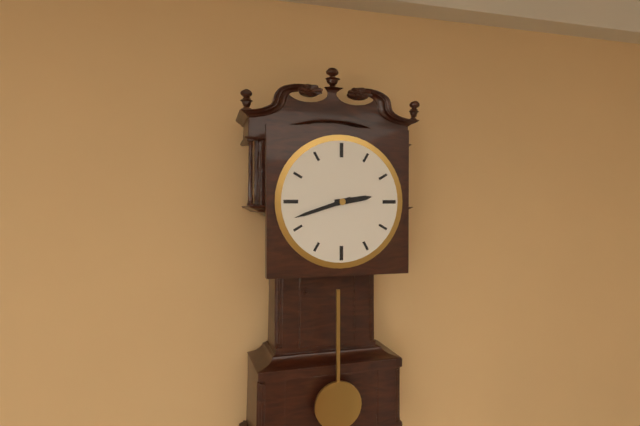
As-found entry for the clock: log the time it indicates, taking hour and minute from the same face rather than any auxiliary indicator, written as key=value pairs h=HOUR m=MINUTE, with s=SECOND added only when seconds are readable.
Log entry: h=2 m=42
